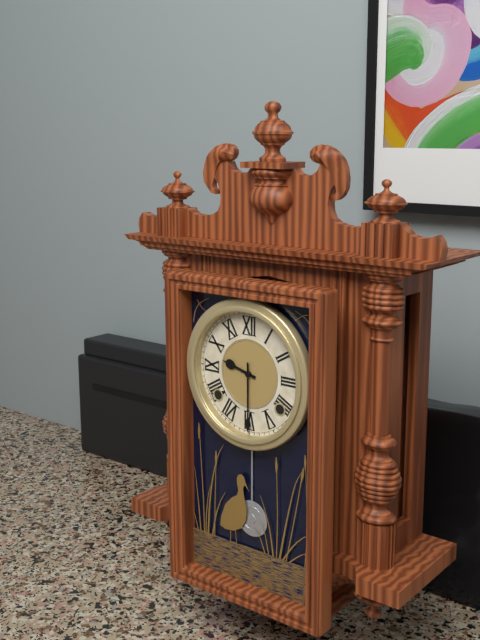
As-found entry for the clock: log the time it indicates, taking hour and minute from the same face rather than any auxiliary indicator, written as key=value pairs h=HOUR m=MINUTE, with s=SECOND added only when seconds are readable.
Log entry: h=9 m=30
